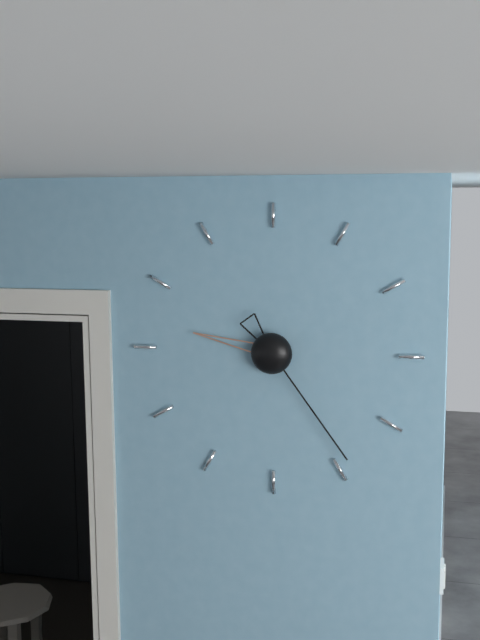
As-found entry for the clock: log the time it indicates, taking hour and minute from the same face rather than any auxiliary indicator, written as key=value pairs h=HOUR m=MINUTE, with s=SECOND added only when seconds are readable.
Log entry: h=9 m=24
